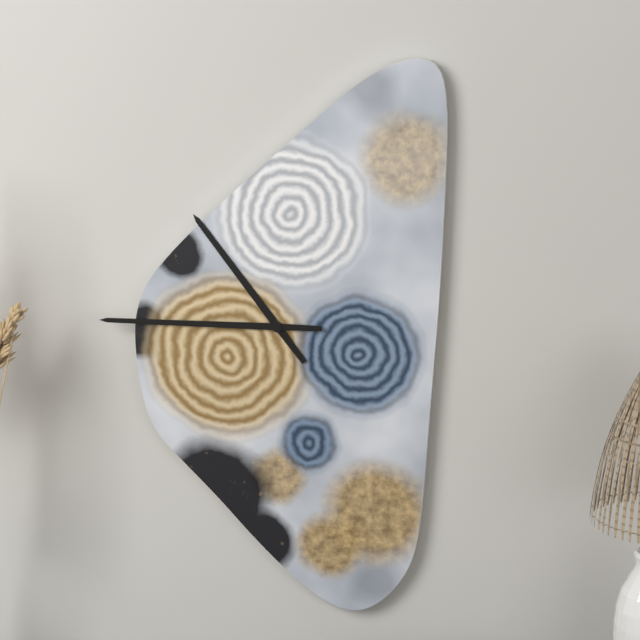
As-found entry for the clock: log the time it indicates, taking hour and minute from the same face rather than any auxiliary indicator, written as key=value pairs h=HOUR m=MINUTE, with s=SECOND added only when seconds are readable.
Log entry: h=10 m=45
